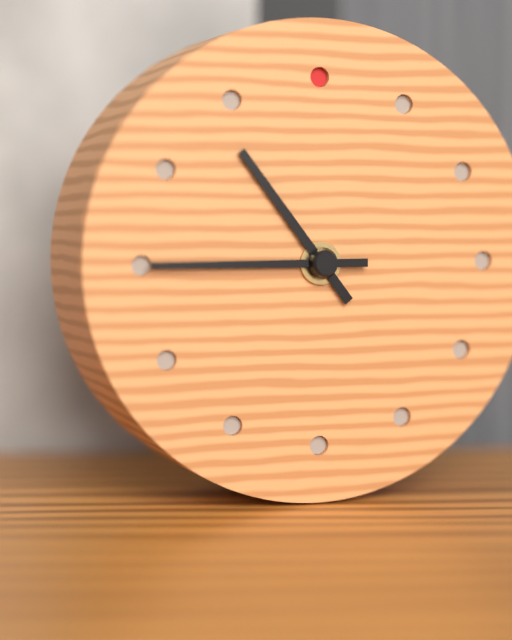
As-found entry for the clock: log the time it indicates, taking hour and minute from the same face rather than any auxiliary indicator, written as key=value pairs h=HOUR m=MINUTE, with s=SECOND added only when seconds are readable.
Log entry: h=10 m=45
